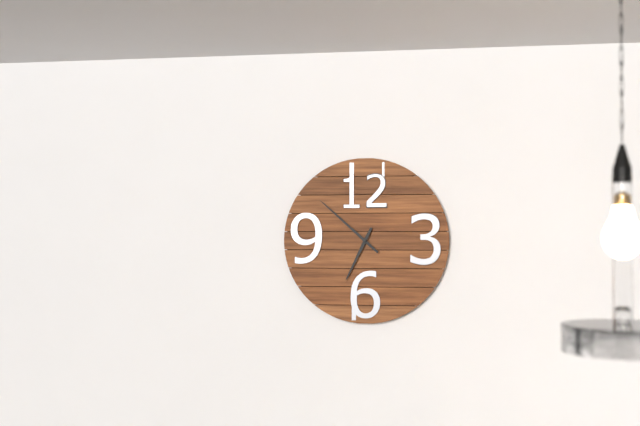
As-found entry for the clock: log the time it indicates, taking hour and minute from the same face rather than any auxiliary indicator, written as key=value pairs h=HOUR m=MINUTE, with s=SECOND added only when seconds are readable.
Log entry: h=6 m=52
